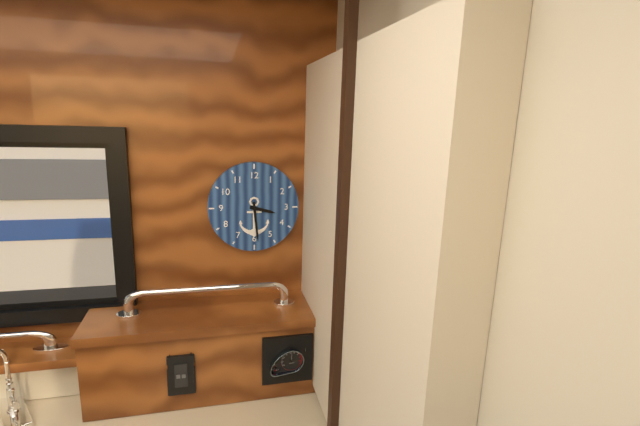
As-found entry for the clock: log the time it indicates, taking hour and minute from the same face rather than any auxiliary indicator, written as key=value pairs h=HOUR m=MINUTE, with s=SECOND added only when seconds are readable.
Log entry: h=3 m=29
